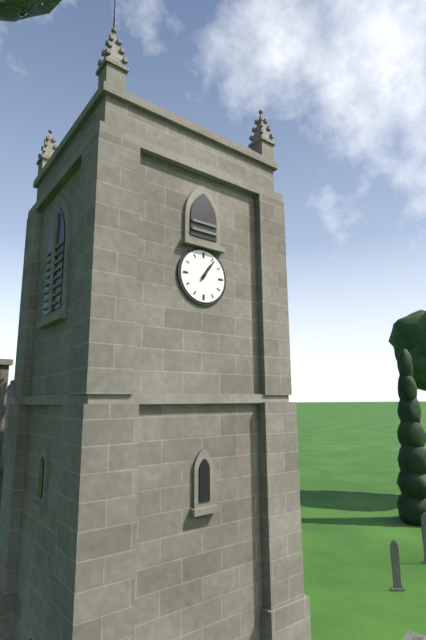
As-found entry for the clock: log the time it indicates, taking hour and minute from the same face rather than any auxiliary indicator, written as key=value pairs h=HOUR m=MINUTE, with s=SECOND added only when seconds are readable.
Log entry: h=1 m=6
